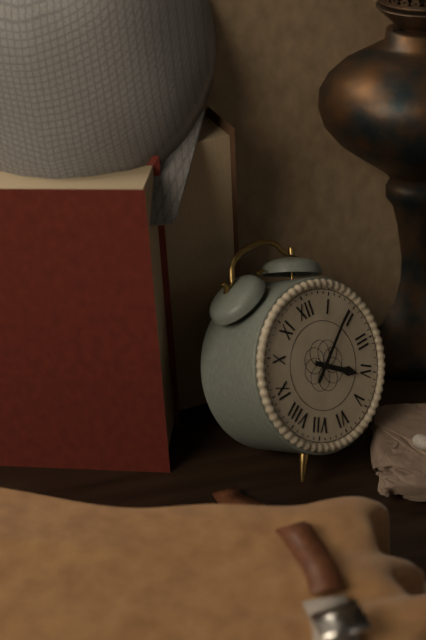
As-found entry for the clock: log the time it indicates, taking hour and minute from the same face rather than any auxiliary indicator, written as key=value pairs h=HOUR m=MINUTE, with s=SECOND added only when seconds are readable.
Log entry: h=4 m=9
